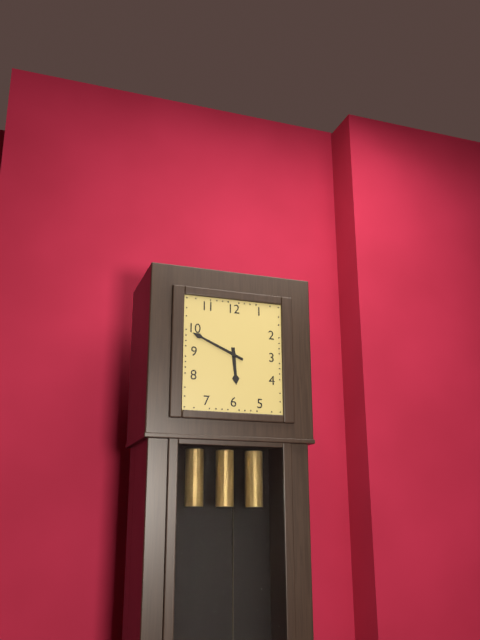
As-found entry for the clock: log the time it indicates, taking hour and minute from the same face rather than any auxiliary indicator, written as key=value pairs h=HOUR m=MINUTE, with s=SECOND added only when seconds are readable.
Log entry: h=5 m=49
